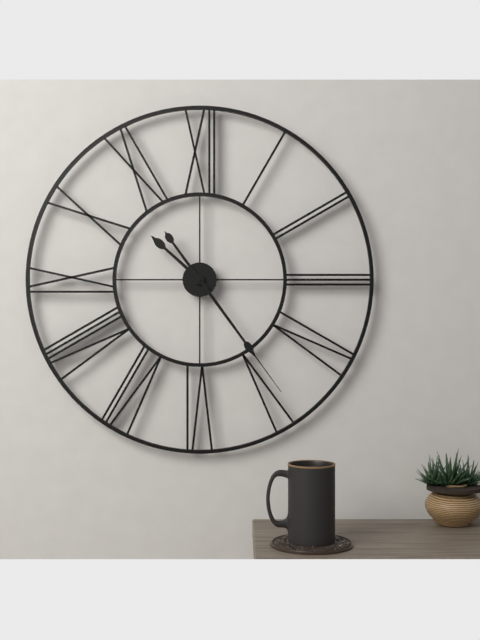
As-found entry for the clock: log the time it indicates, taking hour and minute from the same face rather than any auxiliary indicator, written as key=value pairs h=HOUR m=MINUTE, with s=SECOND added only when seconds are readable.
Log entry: h=10 m=24
